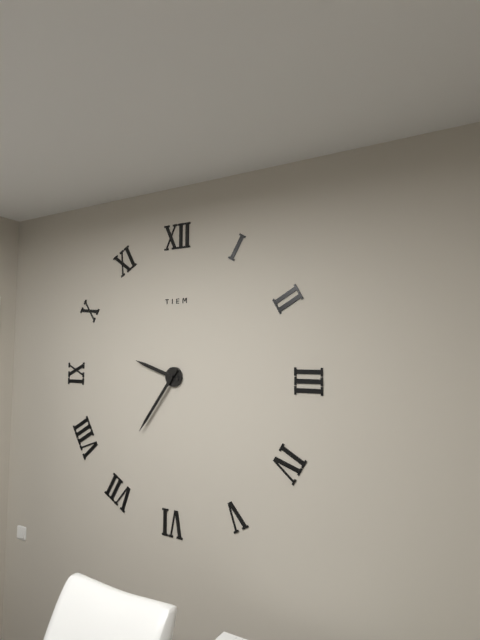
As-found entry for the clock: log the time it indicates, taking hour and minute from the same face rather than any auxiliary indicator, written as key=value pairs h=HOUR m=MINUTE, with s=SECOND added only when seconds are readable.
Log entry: h=9 m=36
